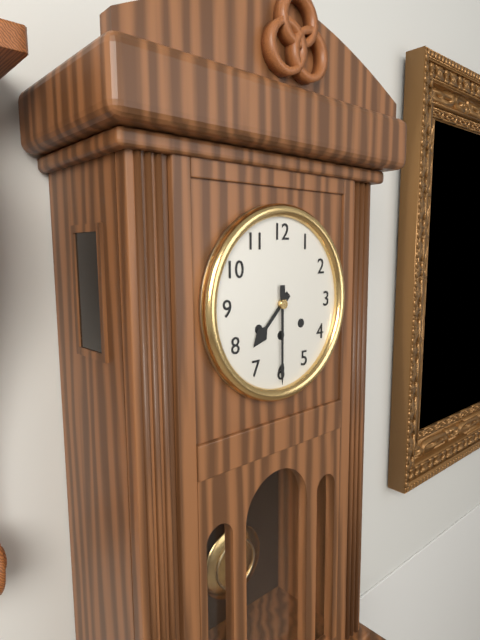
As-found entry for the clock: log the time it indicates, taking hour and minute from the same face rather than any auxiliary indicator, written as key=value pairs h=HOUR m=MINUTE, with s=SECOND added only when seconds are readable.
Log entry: h=7 m=30
